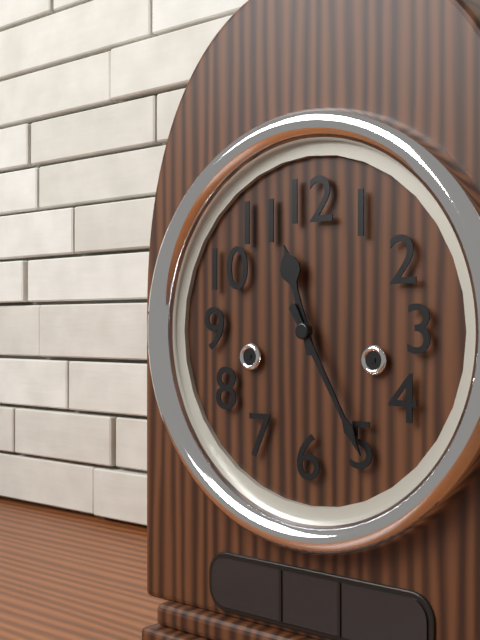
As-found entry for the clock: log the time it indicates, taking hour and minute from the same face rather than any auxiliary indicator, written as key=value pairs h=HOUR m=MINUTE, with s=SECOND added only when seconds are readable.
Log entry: h=11 m=25
